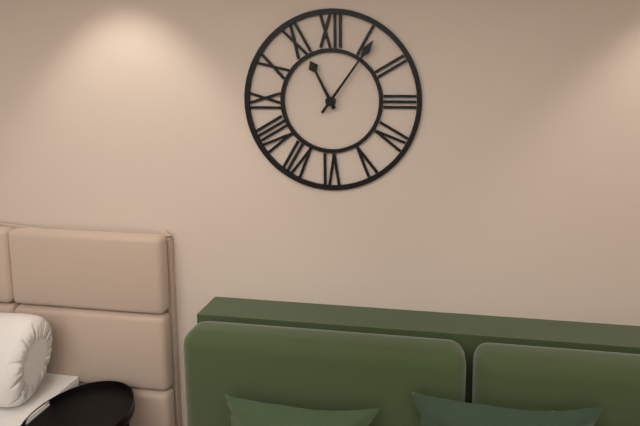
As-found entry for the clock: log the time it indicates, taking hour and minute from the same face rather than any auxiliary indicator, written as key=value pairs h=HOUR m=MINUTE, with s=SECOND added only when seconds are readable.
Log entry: h=11 m=6
